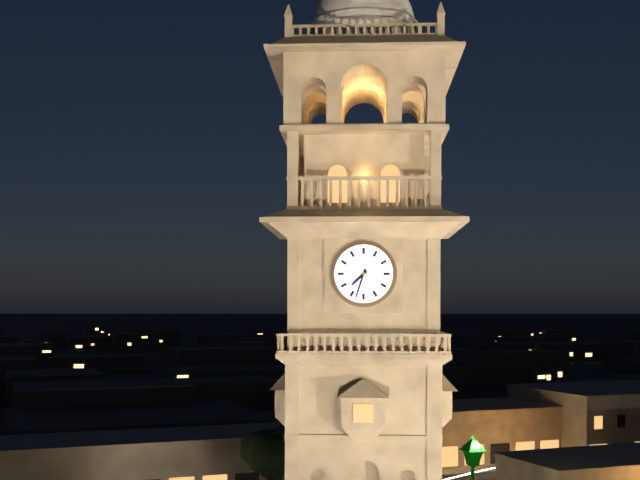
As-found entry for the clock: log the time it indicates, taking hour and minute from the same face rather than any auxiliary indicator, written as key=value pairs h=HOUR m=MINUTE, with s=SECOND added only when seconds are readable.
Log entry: h=7 m=33
